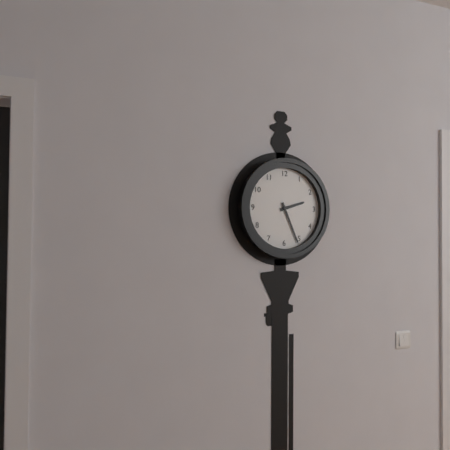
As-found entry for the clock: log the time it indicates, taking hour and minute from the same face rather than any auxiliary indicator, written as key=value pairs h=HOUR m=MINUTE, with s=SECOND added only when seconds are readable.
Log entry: h=2 m=26
